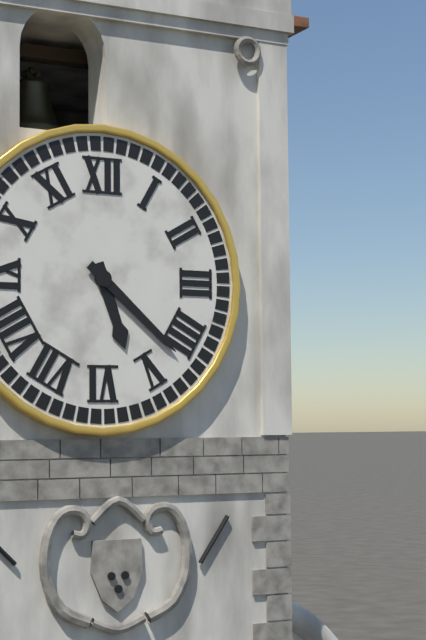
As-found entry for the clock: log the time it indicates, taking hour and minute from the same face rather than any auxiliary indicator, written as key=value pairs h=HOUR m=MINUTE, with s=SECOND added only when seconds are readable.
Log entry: h=5 m=22
